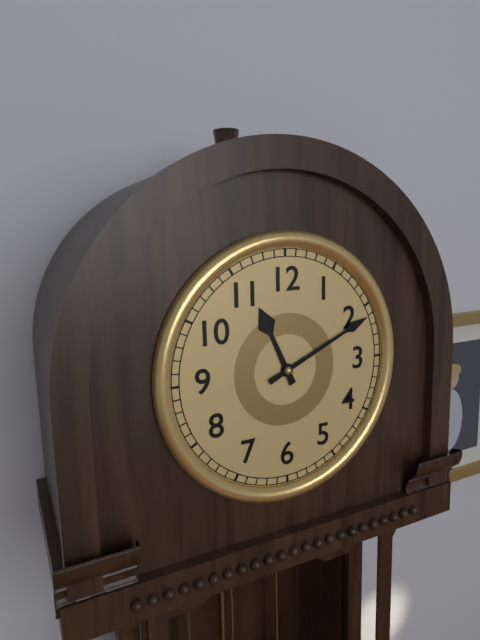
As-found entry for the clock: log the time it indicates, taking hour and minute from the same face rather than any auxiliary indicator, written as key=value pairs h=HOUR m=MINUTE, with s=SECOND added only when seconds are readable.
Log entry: h=11 m=11
